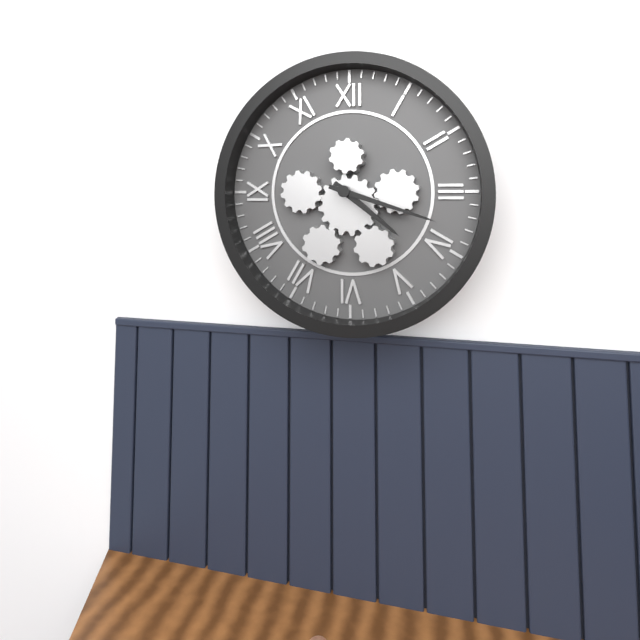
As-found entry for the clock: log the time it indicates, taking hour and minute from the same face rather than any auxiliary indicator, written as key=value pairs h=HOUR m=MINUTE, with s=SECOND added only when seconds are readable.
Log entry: h=4 m=18
